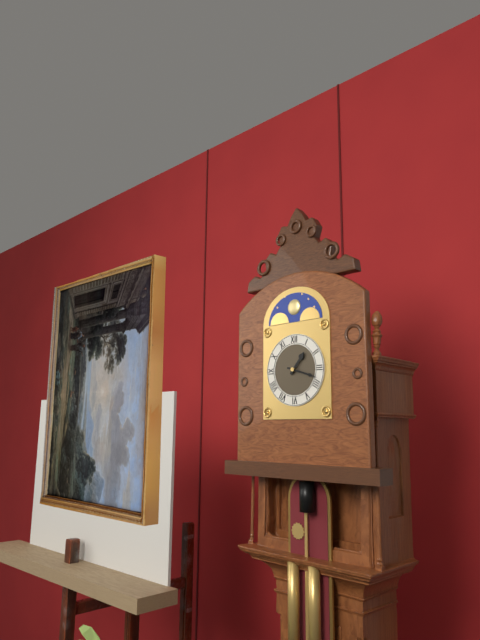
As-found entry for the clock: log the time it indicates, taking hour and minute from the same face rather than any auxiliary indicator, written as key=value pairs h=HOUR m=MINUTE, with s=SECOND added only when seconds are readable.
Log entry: h=1 m=18
